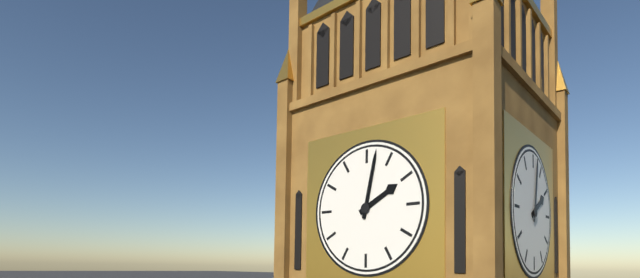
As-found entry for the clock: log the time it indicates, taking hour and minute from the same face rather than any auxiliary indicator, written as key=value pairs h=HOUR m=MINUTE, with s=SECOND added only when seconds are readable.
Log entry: h=2 m=2
